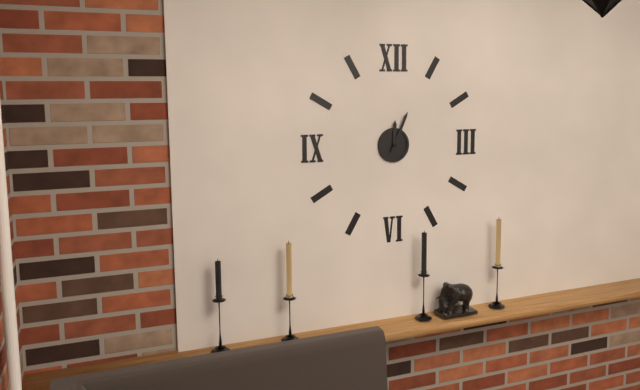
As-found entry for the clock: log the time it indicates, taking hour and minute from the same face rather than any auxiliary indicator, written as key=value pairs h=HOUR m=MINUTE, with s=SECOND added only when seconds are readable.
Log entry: h=12 m=4
